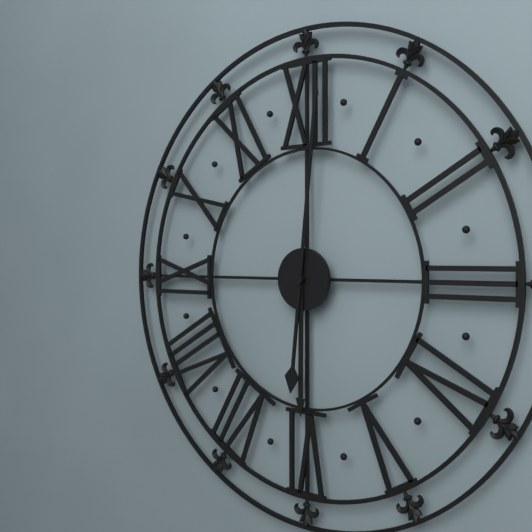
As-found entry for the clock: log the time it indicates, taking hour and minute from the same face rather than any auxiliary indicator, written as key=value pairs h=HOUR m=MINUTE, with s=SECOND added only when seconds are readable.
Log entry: h=6 m=1
